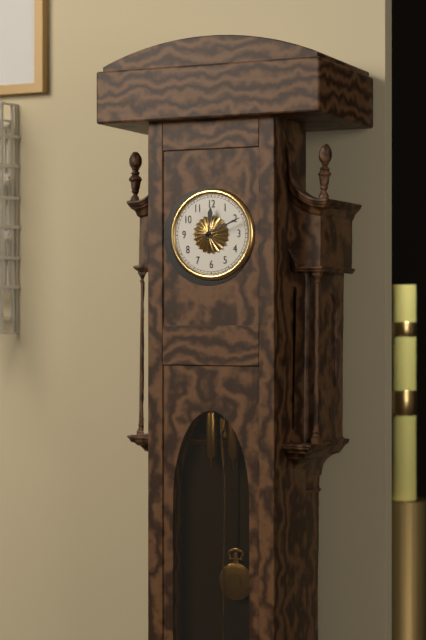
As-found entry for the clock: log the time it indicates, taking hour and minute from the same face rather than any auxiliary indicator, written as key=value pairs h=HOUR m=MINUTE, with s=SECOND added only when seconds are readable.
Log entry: h=12 m=11
